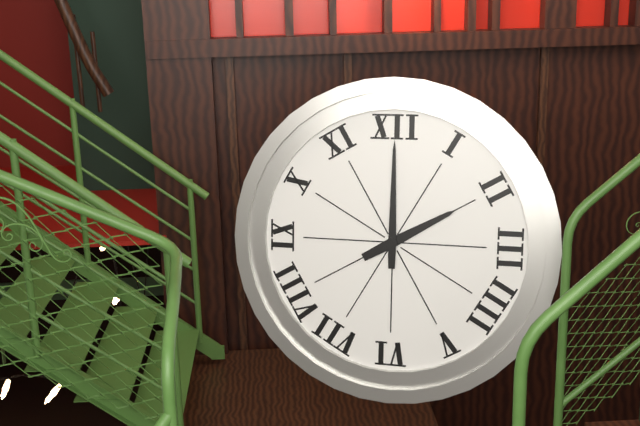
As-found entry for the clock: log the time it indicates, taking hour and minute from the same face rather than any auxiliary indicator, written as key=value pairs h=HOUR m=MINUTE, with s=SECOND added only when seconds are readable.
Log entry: h=2 m=0
